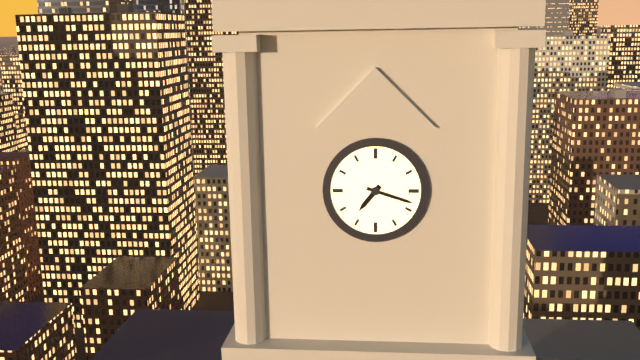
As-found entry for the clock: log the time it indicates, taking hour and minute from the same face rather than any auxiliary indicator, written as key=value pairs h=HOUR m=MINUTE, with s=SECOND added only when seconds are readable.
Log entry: h=7 m=18
